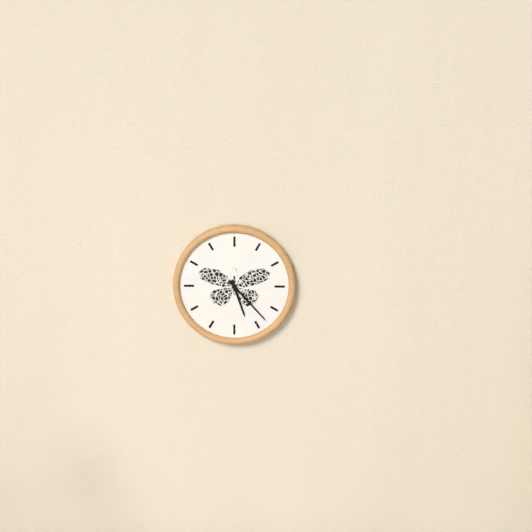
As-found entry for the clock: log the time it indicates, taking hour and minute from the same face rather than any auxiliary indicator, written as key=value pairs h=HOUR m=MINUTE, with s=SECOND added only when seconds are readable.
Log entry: h=5 m=23
